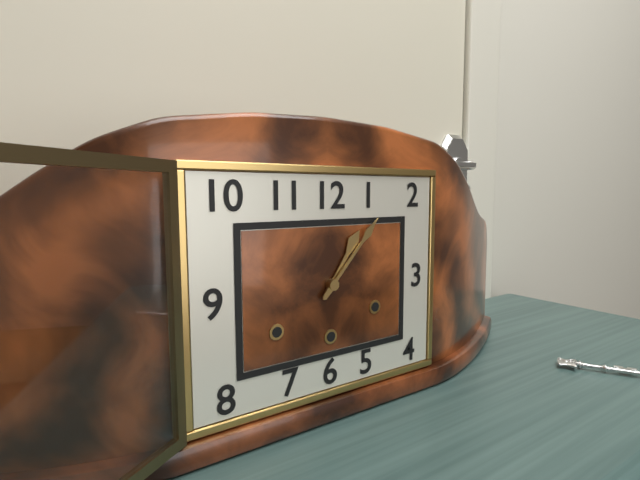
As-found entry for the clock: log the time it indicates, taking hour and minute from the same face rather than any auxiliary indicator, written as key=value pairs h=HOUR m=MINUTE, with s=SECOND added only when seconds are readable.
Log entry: h=1 m=7
